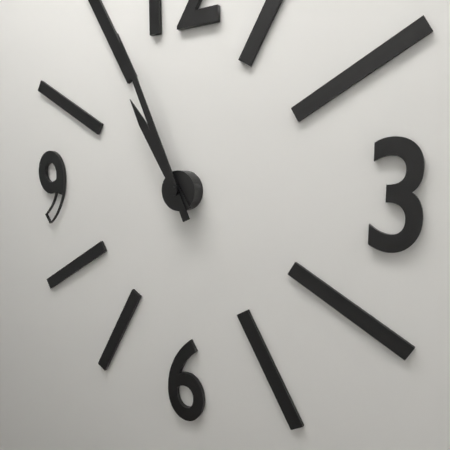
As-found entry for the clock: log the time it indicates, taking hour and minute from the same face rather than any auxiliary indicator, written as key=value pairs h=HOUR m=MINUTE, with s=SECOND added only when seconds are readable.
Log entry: h=10 m=56
